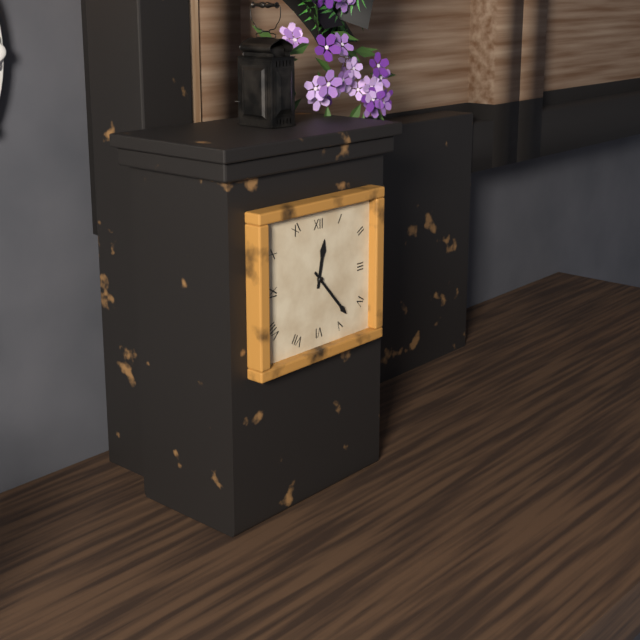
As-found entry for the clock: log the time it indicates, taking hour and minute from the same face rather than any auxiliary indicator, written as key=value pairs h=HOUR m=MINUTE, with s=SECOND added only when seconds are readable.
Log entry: h=12 m=23
